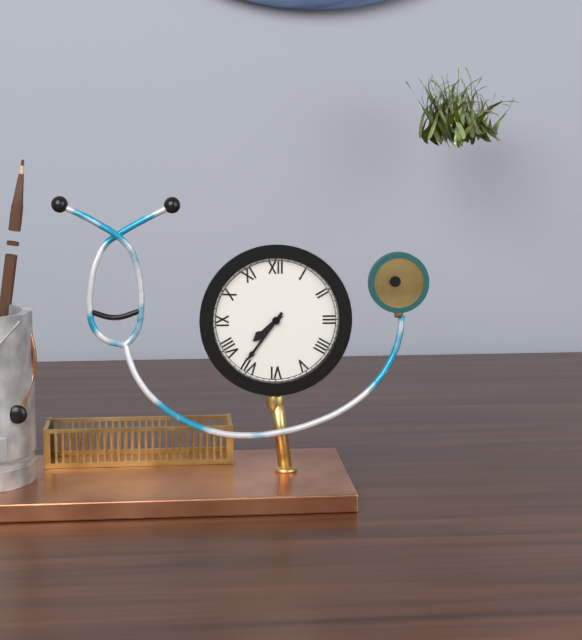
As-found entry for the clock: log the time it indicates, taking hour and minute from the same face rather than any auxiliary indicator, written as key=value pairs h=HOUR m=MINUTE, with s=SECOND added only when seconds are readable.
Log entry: h=7 m=36
